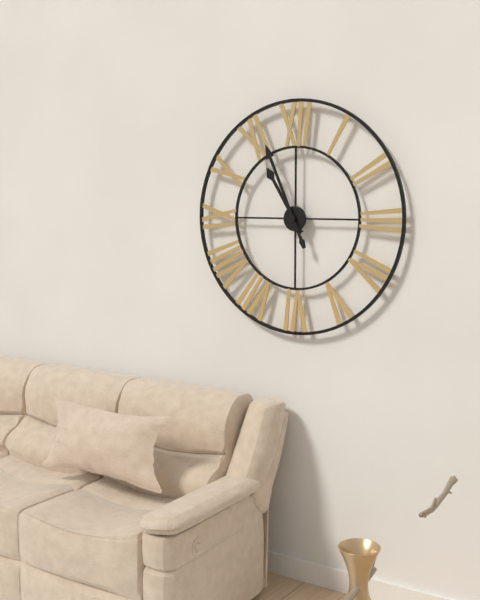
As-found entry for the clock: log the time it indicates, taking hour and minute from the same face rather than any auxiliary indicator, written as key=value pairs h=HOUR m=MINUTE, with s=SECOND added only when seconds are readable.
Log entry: h=10 m=56
